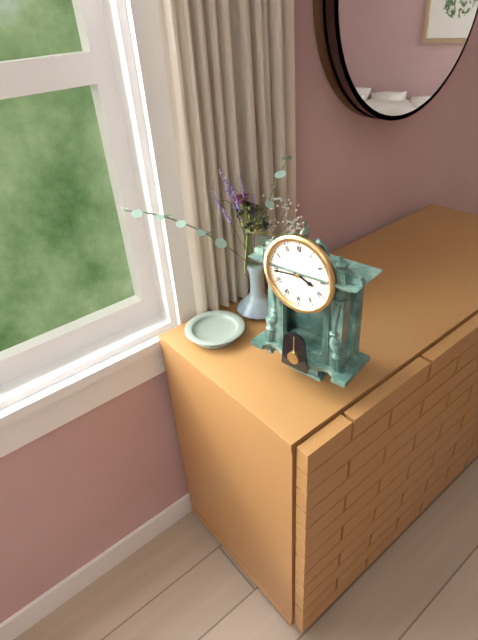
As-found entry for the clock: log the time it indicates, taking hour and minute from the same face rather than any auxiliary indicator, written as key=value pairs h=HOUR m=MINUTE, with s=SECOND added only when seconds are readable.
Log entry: h=3 m=44
